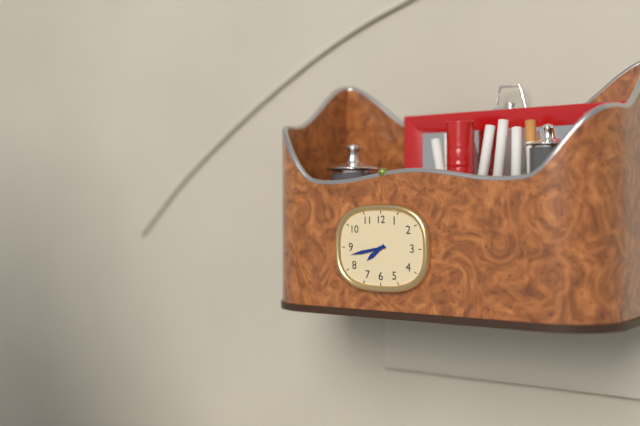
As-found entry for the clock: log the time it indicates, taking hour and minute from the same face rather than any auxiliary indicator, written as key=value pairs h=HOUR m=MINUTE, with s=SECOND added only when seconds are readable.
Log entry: h=7 m=43
